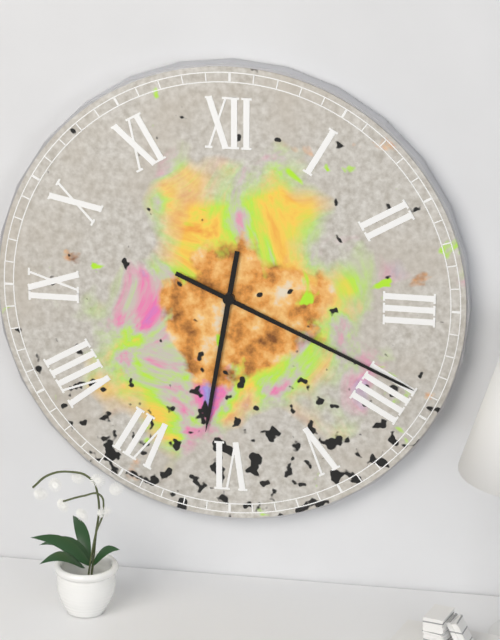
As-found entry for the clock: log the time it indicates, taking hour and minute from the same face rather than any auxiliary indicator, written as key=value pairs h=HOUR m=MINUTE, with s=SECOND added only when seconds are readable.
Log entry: h=6 m=19
